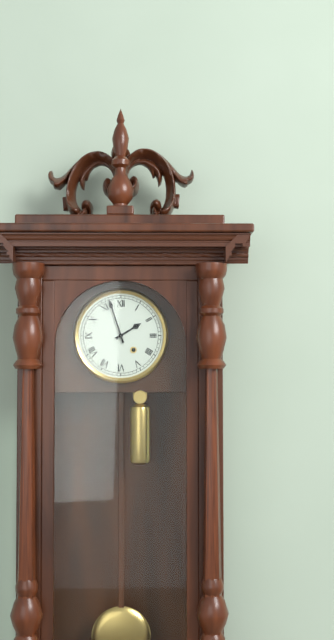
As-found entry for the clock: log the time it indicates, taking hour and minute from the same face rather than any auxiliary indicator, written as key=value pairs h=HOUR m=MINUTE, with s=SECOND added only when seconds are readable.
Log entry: h=1 m=57
